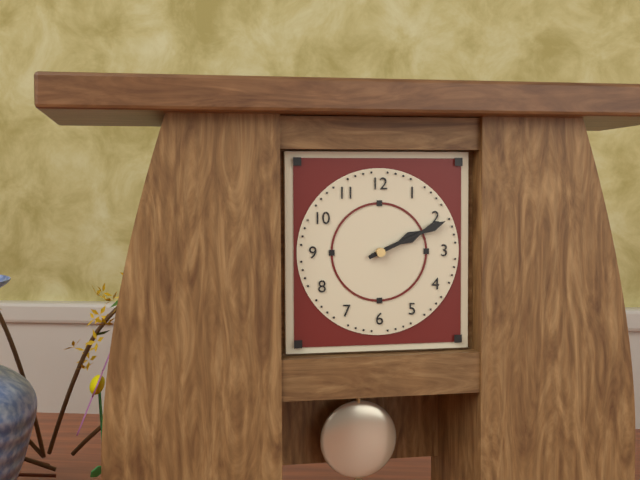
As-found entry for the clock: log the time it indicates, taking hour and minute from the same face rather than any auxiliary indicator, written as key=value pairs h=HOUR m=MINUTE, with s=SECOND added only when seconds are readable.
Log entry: h=2 m=11
